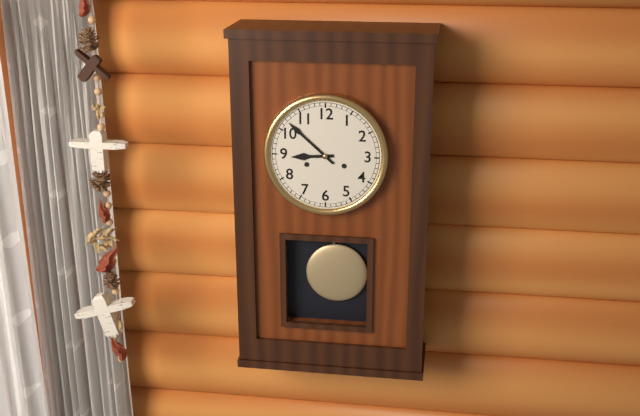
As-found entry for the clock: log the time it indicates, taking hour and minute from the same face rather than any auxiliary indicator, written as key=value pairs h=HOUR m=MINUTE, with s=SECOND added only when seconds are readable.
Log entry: h=8 m=52
